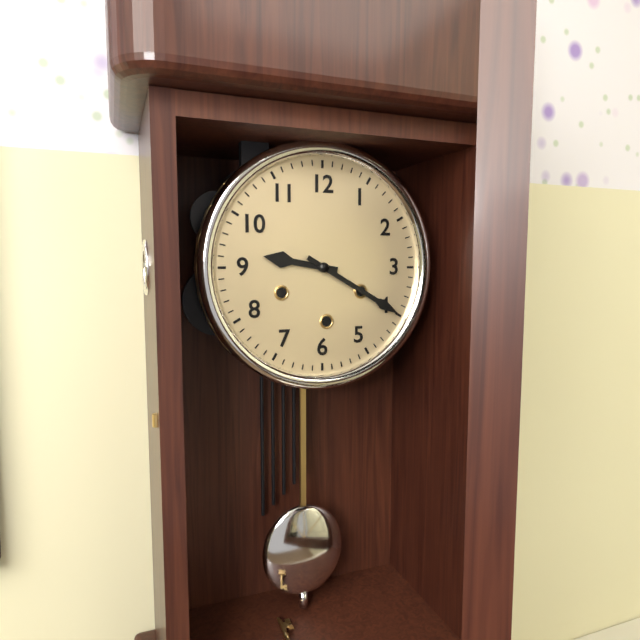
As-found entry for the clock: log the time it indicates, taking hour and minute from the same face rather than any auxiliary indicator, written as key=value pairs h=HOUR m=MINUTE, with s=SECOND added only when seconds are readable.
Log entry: h=9 m=20
